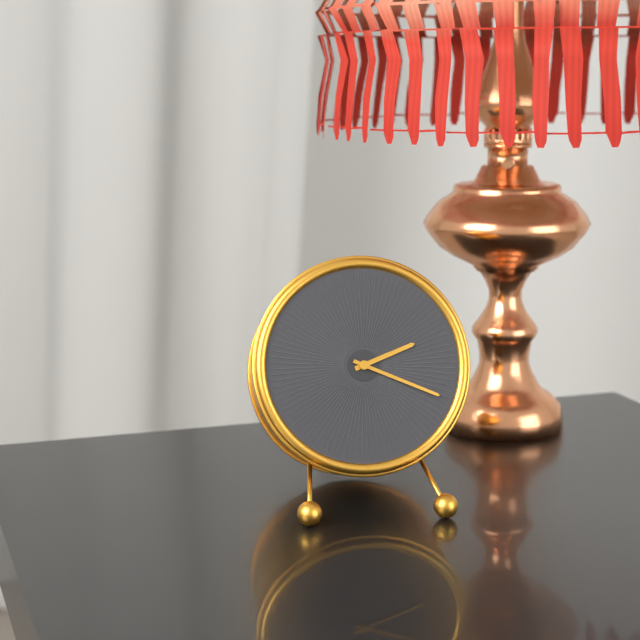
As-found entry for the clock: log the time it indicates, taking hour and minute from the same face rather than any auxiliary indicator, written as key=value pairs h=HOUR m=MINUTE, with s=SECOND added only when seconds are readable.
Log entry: h=2 m=19
